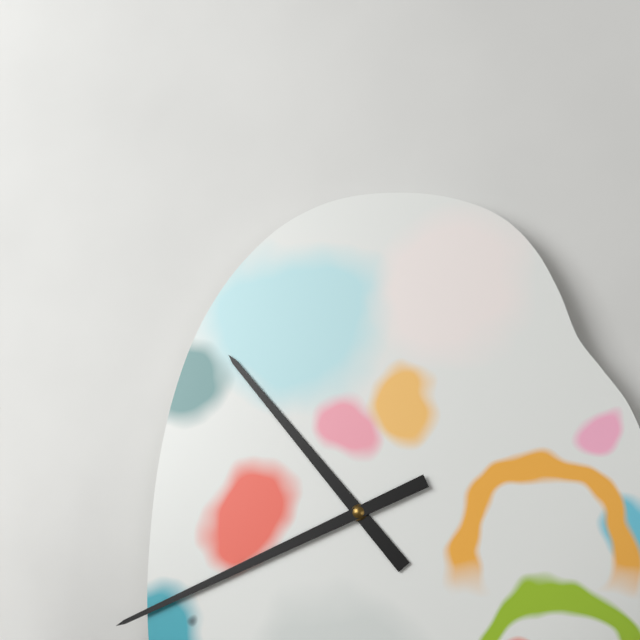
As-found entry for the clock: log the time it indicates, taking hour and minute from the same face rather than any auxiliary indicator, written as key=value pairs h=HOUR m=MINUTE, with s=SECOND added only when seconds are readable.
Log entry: h=10 m=41
